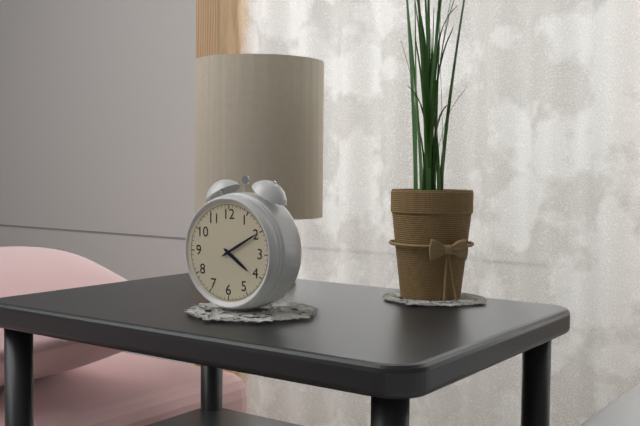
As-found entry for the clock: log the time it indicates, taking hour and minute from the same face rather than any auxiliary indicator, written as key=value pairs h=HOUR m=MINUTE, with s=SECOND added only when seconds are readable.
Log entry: h=4 m=10
